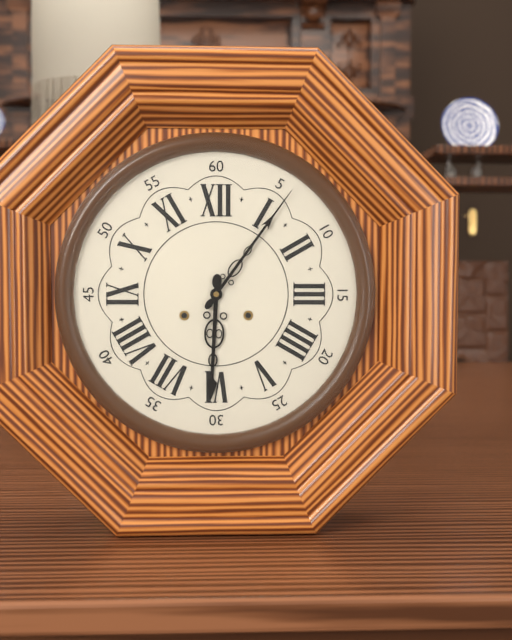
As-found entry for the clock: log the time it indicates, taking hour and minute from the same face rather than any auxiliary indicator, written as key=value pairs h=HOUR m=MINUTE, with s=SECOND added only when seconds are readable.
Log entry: h=6 m=6
